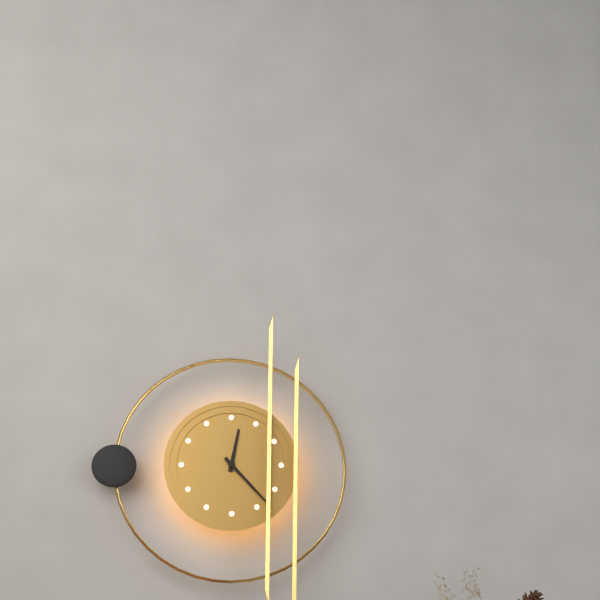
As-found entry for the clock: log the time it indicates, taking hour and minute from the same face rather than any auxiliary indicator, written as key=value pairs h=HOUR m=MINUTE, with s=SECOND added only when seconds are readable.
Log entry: h=12 m=23
